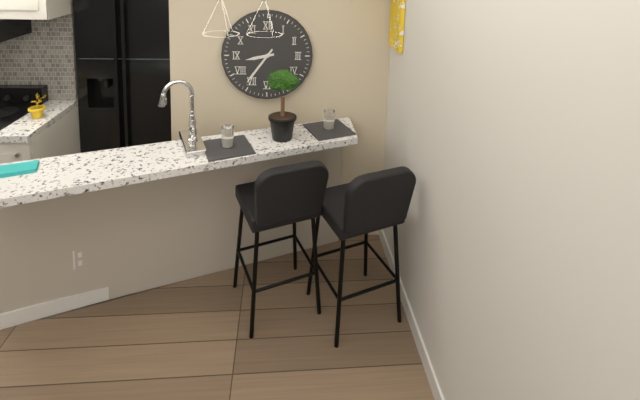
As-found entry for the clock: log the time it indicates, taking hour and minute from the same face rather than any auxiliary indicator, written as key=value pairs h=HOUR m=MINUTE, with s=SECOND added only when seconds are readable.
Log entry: h=8 m=36
